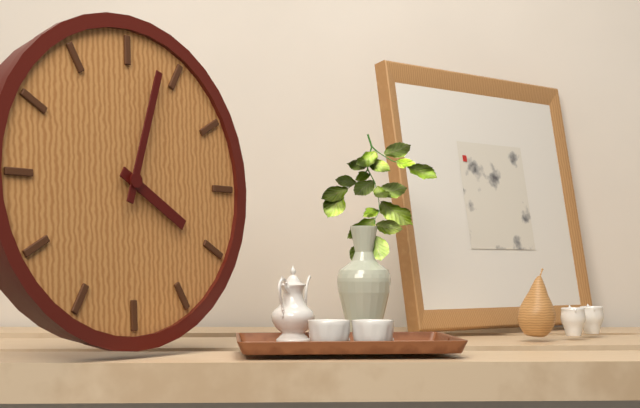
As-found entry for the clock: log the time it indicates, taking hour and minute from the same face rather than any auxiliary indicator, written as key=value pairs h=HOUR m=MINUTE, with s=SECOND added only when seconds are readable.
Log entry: h=4 m=3
